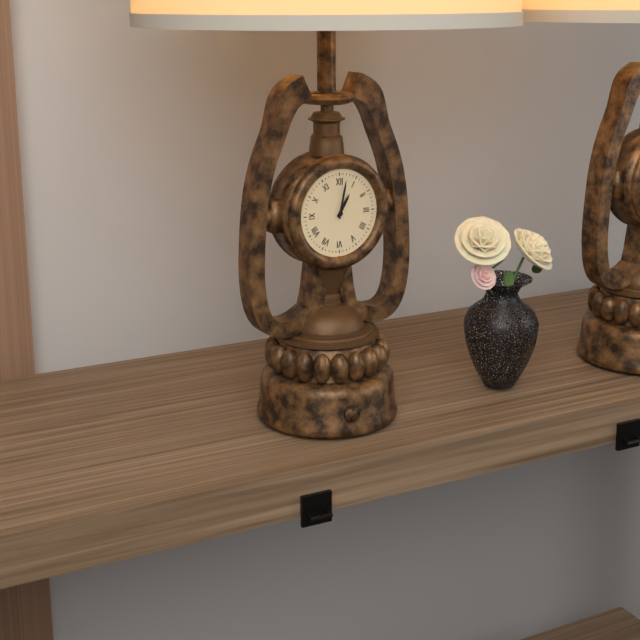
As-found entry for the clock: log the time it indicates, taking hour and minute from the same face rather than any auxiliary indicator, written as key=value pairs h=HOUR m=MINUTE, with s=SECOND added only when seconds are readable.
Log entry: h=1 m=2
